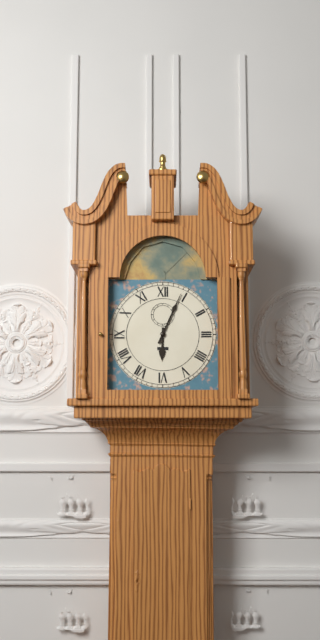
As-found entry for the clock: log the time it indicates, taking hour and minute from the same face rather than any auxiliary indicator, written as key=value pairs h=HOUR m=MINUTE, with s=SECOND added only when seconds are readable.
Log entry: h=6 m=4
